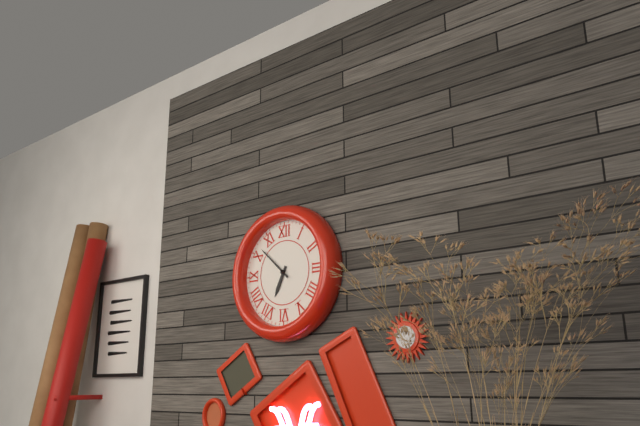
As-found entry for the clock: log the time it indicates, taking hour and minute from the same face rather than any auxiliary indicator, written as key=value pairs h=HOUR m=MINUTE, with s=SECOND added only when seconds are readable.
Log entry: h=6 m=52
